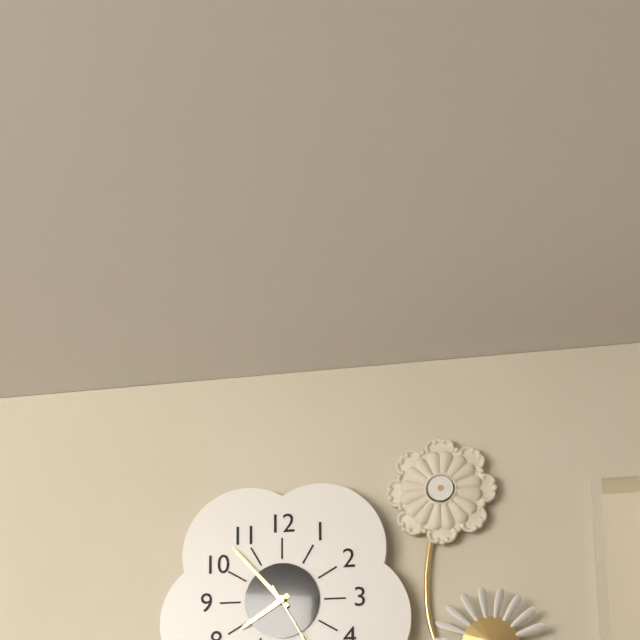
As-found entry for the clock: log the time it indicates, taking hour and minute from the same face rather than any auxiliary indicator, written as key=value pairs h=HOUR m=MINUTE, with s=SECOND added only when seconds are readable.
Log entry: h=7 m=53
